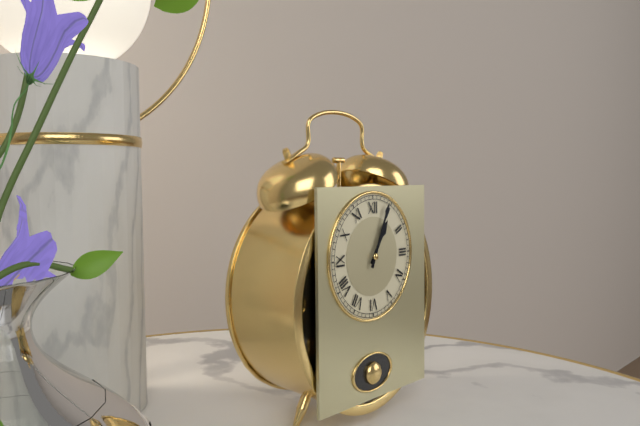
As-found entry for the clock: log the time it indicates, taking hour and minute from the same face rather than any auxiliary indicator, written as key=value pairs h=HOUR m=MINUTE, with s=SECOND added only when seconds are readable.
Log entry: h=1 m=4
